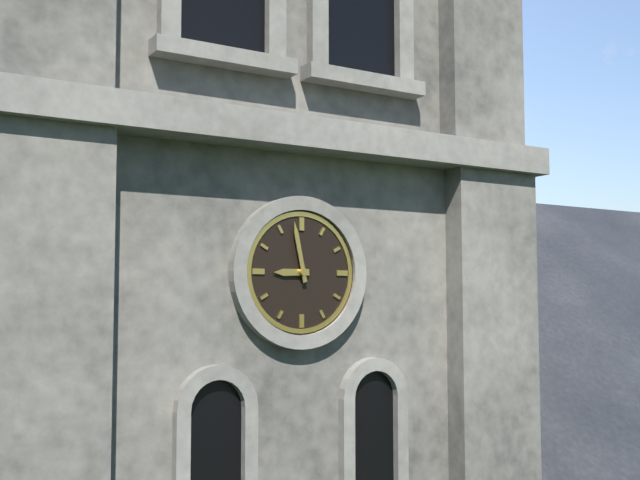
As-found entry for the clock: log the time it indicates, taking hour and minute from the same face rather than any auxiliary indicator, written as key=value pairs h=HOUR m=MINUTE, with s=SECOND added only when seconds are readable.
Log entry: h=8 m=58
